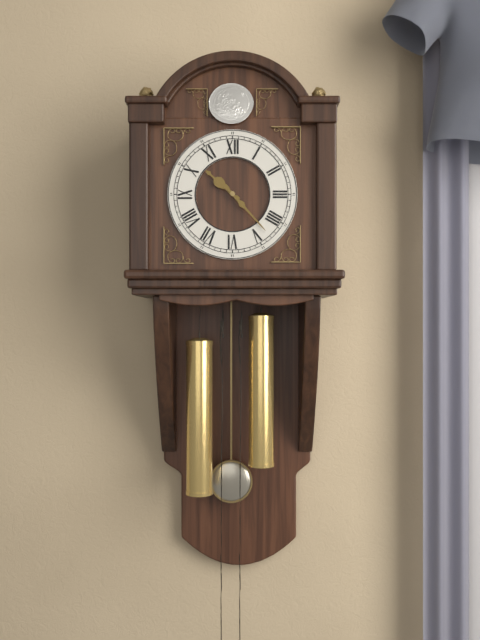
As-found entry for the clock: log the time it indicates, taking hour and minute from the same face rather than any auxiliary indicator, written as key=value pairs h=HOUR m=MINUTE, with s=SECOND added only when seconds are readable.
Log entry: h=10 m=23
